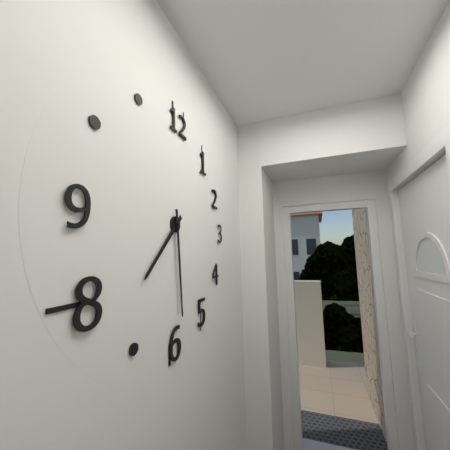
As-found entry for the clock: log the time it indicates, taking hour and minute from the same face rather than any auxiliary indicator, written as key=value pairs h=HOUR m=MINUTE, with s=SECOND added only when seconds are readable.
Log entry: h=7 m=29
